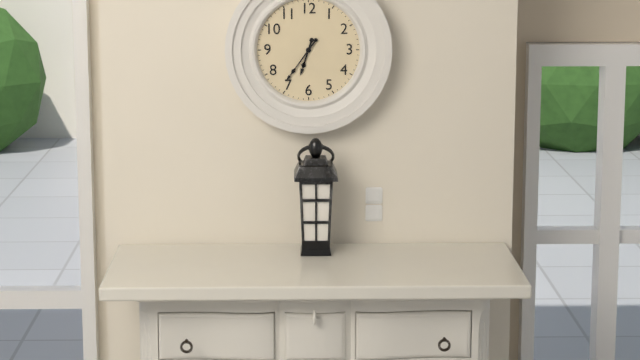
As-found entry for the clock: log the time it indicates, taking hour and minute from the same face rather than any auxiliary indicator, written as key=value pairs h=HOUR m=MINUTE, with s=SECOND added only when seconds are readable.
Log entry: h=6 m=36
